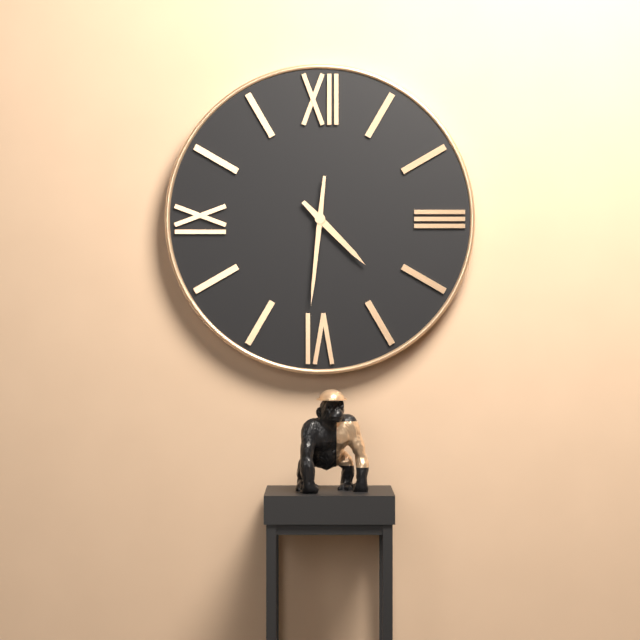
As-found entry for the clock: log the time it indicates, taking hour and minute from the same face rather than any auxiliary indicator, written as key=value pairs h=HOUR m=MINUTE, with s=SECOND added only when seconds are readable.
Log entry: h=4 m=31
